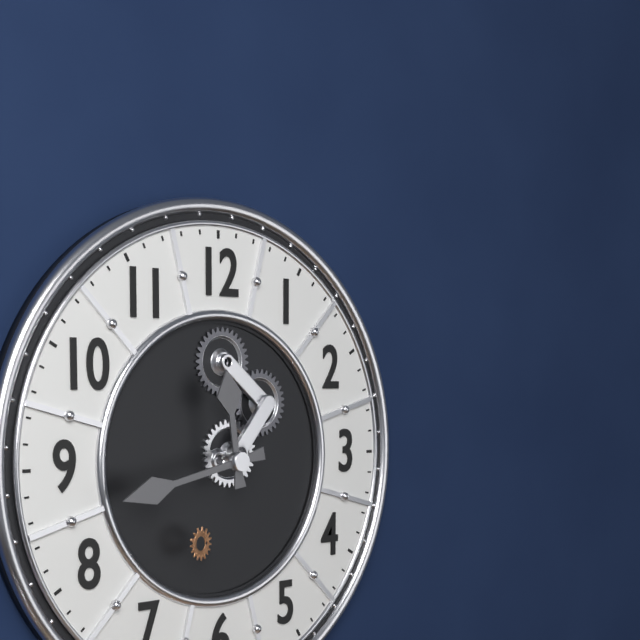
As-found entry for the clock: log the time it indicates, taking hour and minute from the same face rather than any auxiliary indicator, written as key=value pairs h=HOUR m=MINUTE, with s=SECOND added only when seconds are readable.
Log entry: h=11 m=43
